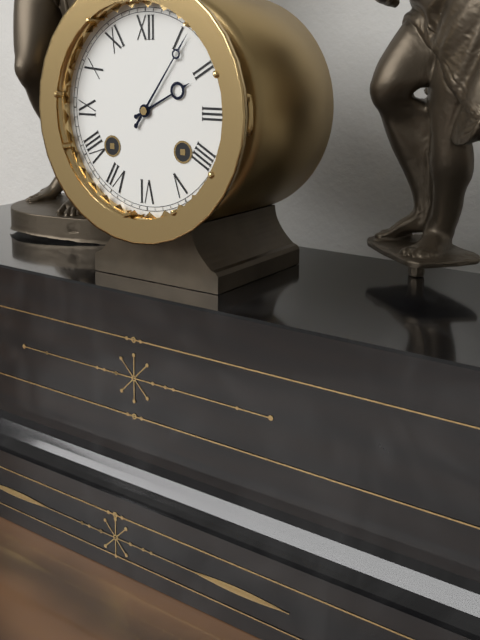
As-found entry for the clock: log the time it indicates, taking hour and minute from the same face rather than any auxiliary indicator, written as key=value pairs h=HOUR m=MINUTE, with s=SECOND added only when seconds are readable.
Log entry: h=2 m=6
